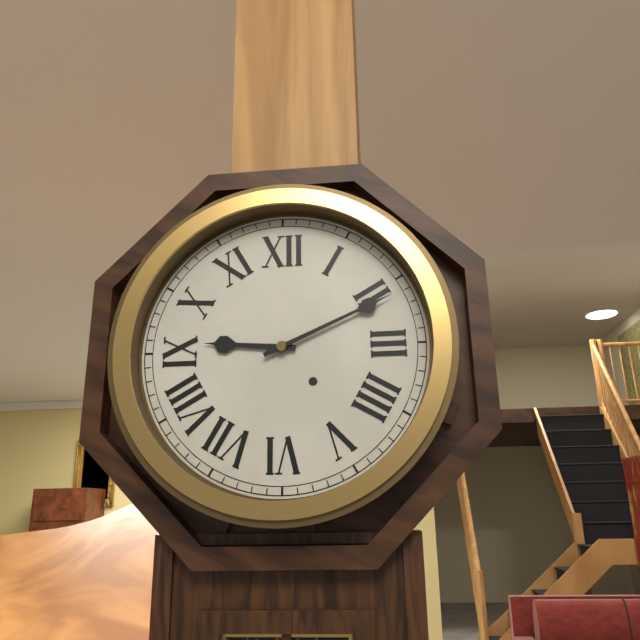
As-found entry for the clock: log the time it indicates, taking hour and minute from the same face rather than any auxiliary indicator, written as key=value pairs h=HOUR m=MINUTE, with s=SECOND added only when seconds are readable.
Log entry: h=9 m=11
